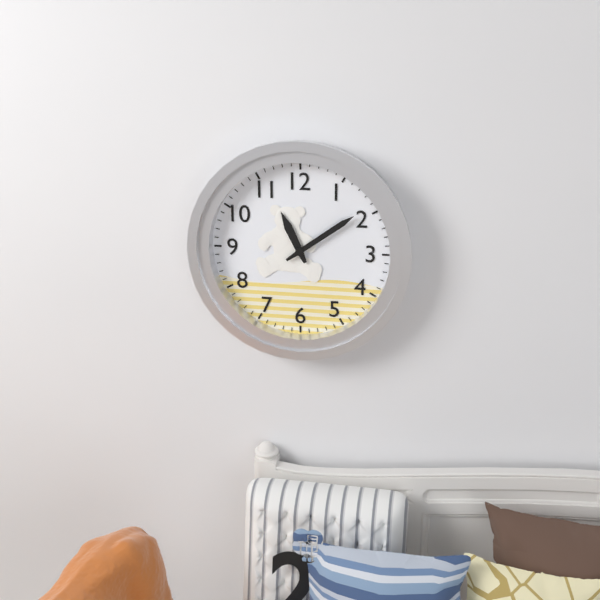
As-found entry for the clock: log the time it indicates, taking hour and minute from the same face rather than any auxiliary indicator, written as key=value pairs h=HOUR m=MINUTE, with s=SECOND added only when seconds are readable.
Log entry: h=11 m=9
